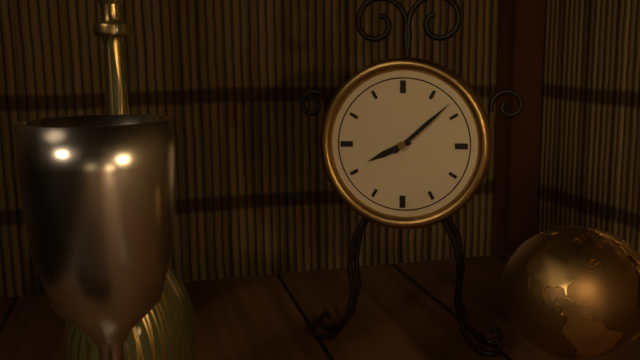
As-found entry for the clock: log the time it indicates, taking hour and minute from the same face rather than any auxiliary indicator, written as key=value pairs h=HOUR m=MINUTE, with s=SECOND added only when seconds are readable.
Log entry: h=8 m=8
